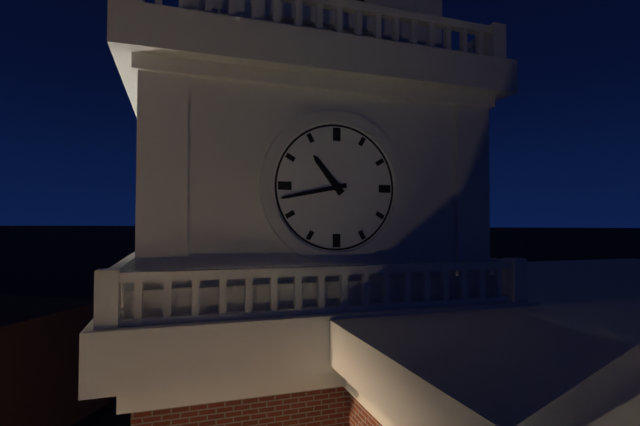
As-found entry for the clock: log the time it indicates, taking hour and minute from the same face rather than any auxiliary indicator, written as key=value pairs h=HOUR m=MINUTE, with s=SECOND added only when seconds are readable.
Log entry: h=10 m=43
